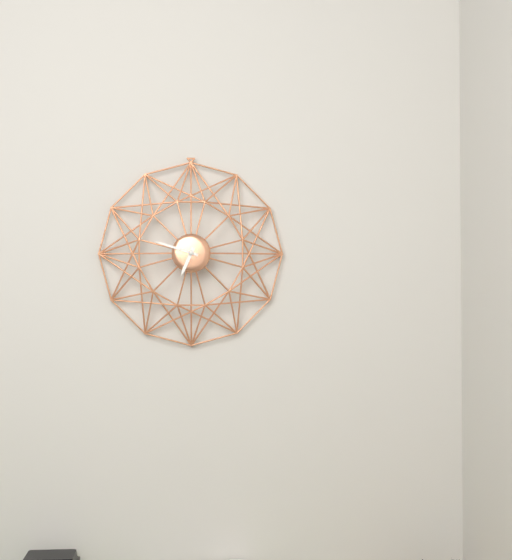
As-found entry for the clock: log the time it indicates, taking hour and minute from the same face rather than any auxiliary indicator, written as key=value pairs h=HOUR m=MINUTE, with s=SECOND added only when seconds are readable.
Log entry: h=6 m=48
